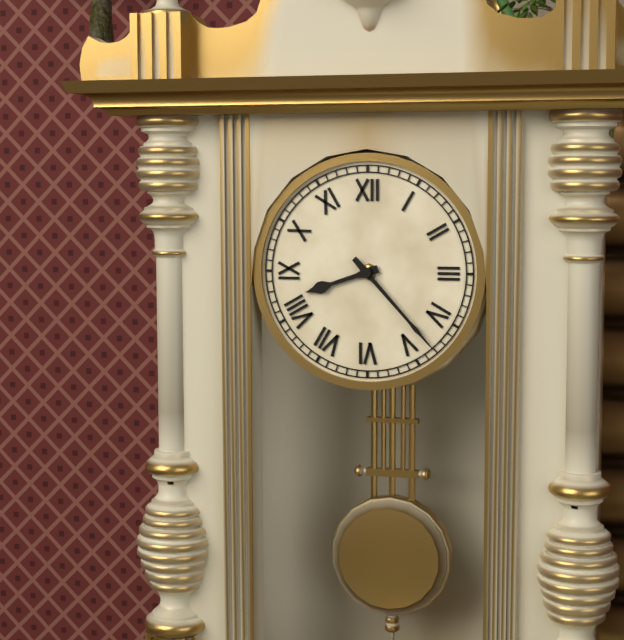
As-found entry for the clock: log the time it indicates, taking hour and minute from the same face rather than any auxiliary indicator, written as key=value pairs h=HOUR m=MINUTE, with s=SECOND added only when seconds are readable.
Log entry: h=8 m=23
